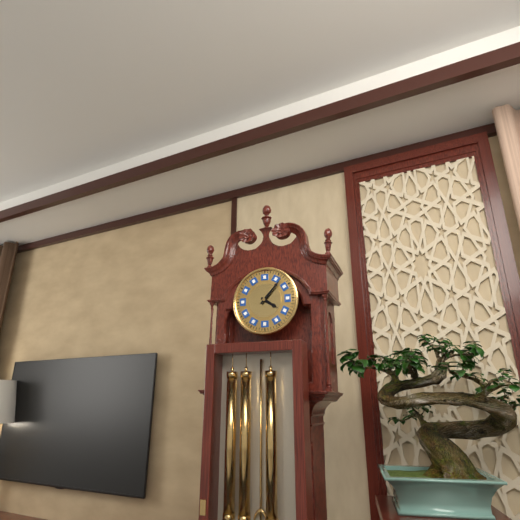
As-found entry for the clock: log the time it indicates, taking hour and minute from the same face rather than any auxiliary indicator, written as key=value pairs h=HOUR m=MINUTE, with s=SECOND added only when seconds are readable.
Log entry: h=4 m=7
